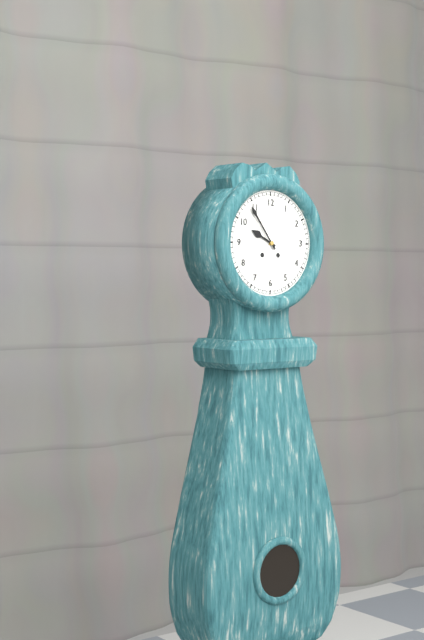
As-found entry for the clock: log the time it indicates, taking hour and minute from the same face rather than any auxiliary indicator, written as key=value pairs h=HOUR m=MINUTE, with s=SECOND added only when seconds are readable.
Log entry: h=9 m=54
